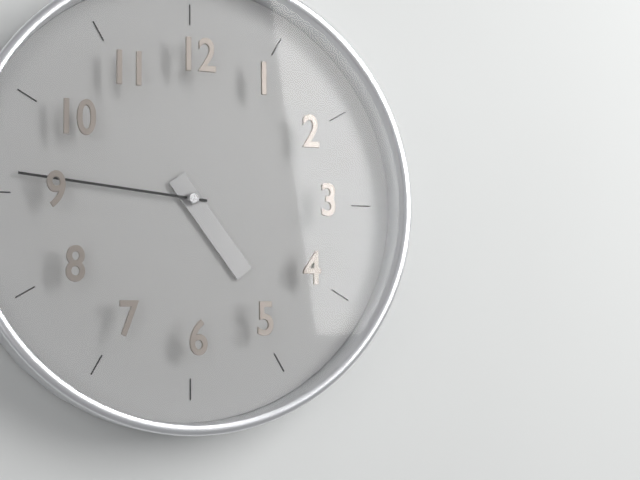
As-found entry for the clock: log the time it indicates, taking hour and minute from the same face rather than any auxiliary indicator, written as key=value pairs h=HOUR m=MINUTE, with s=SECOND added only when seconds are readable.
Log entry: h=4 m=46
